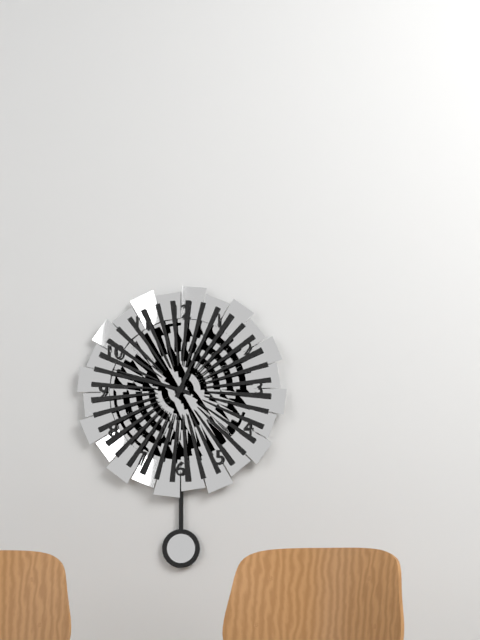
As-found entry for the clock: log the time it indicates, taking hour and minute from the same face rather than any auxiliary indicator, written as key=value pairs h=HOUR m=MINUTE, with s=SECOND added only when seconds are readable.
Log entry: h=12 m=48
